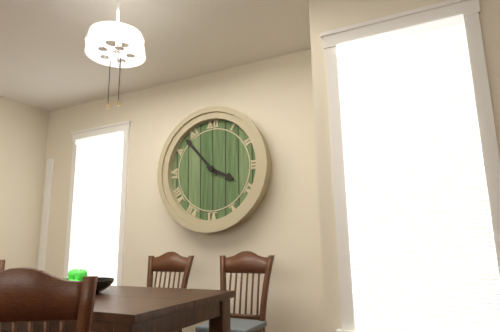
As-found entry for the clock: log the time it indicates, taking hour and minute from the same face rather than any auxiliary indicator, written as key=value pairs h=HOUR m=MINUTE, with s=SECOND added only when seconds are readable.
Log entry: h=3 m=53
